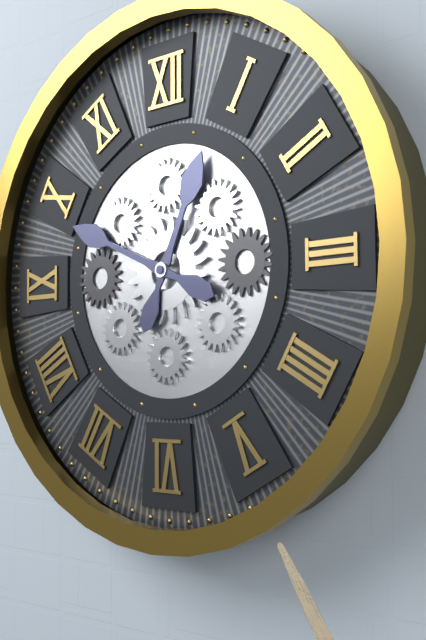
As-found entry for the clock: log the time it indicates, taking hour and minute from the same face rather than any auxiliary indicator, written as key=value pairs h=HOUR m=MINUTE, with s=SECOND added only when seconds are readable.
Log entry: h=12 m=49
